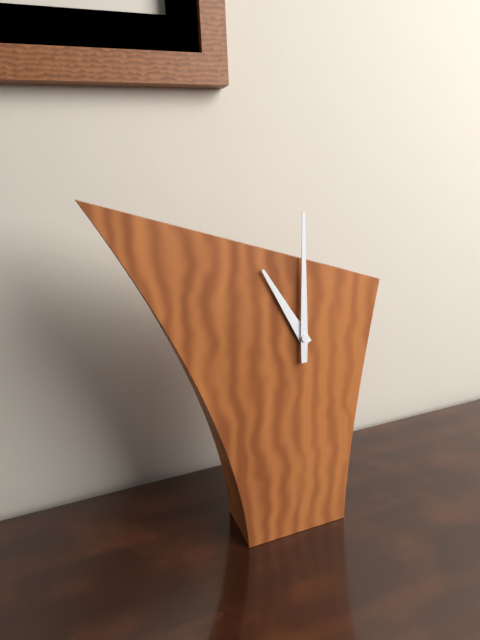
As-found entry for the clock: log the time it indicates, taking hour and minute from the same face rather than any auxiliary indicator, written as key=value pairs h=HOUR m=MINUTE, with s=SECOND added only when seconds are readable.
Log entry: h=11 m=0
